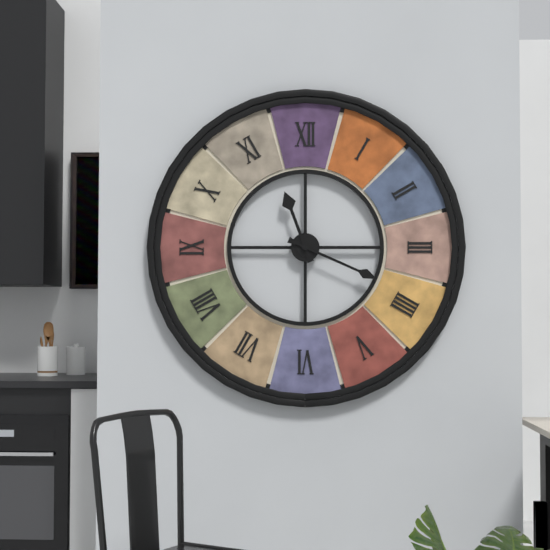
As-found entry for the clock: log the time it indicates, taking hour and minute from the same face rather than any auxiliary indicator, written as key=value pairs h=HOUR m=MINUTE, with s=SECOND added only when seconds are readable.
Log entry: h=11 m=19
